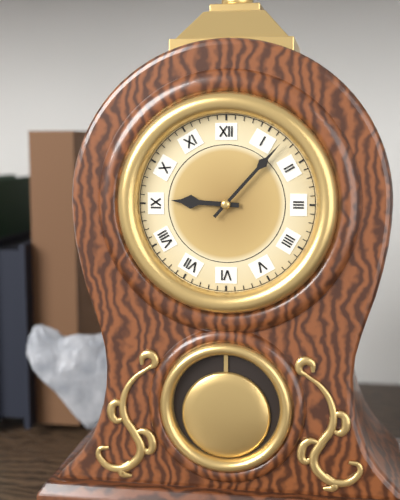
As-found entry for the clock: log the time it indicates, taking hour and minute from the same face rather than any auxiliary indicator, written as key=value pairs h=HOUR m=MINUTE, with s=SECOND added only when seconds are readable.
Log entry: h=9 m=7
